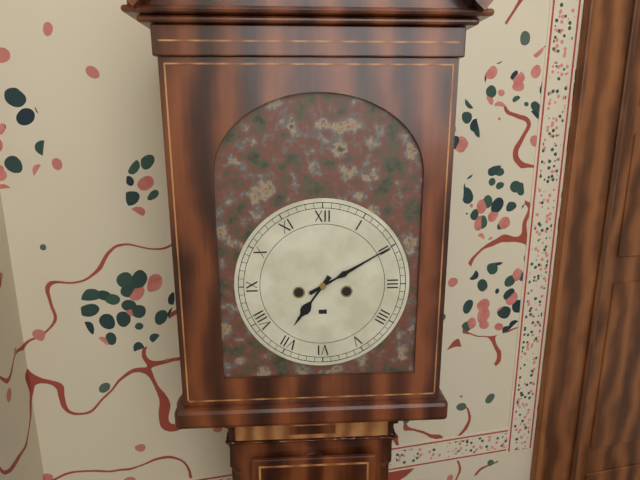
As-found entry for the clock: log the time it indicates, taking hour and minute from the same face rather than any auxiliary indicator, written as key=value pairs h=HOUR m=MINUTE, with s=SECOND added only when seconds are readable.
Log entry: h=7 m=10
